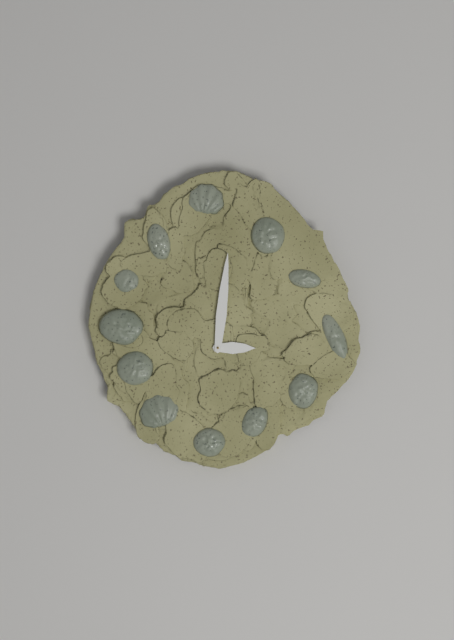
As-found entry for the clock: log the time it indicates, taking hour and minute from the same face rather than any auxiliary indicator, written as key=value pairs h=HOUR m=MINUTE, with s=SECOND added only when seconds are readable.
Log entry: h=3 m=1
